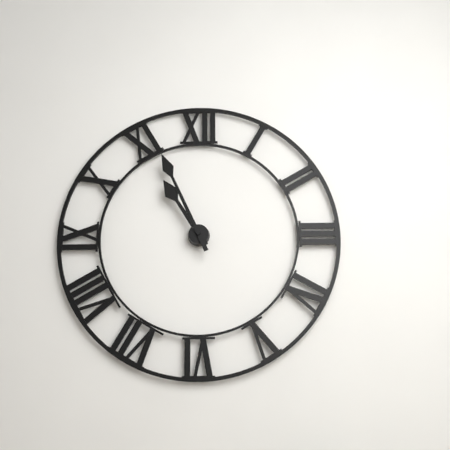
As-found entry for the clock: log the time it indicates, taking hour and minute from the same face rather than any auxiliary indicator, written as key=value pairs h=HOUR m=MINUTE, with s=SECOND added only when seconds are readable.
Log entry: h=10 m=56
